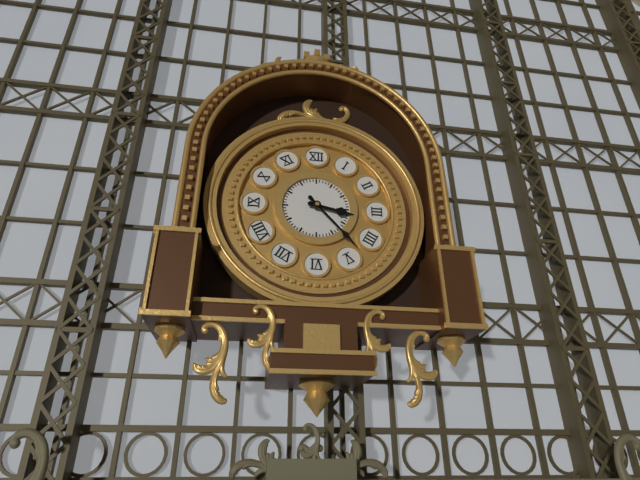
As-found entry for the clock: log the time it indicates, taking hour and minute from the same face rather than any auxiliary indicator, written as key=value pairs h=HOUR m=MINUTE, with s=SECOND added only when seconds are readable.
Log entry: h=3 m=23
